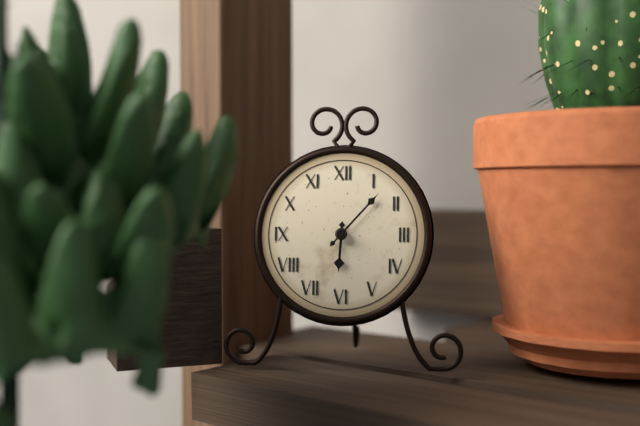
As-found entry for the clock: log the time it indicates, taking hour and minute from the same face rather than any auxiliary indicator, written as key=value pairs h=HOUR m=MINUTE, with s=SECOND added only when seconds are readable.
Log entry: h=6 m=7
